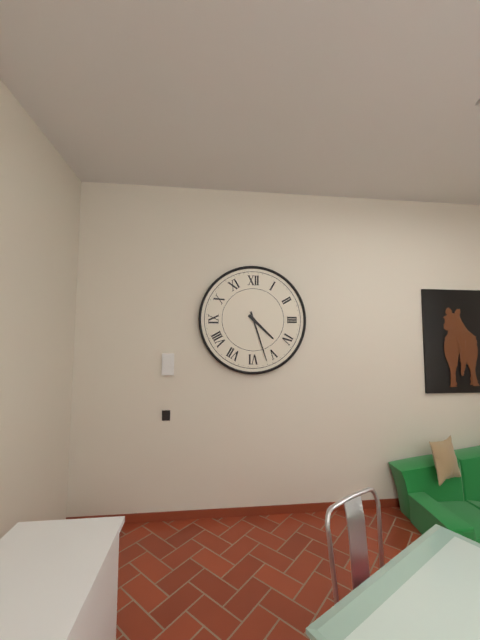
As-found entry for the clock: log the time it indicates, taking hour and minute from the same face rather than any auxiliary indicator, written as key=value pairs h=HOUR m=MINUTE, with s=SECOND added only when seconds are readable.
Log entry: h=4 m=27
